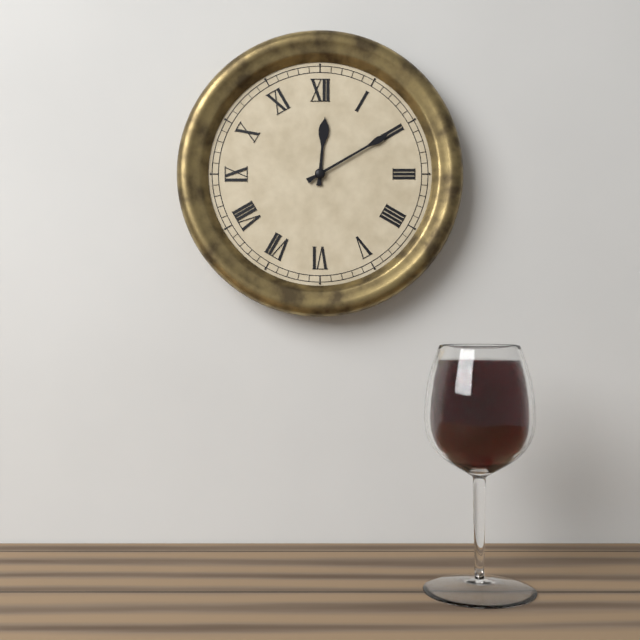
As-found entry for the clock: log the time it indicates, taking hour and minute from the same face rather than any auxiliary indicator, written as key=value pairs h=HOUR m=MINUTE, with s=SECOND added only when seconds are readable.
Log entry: h=12 m=10
